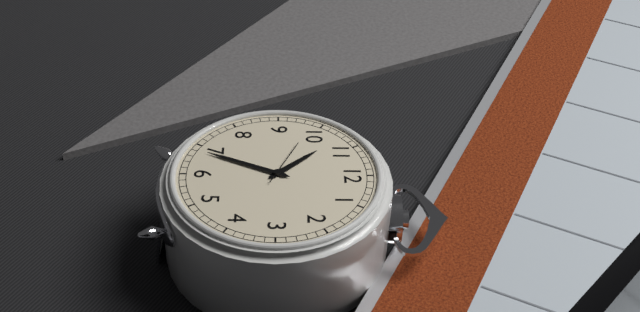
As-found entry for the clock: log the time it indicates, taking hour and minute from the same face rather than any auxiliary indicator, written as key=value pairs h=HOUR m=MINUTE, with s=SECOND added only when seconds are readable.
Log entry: h=10 m=34
